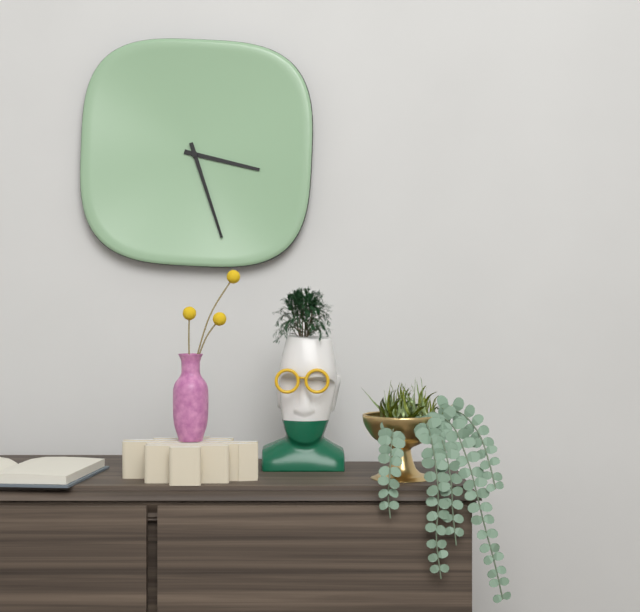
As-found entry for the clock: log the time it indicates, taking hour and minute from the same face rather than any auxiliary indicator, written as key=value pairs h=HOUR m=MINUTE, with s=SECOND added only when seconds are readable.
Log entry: h=3 m=27
